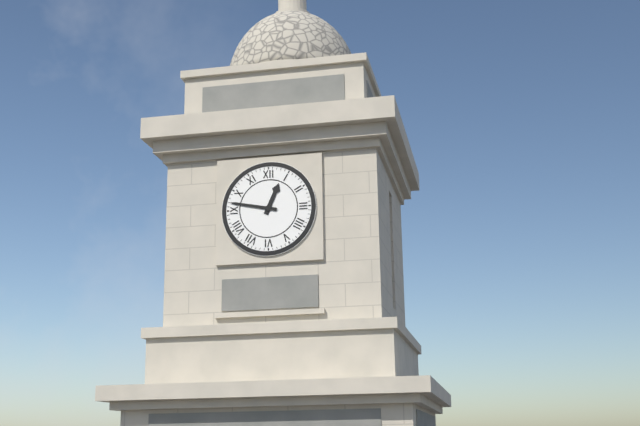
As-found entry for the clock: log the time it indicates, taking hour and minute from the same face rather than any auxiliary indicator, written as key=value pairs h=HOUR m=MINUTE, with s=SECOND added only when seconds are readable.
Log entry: h=12 m=47
